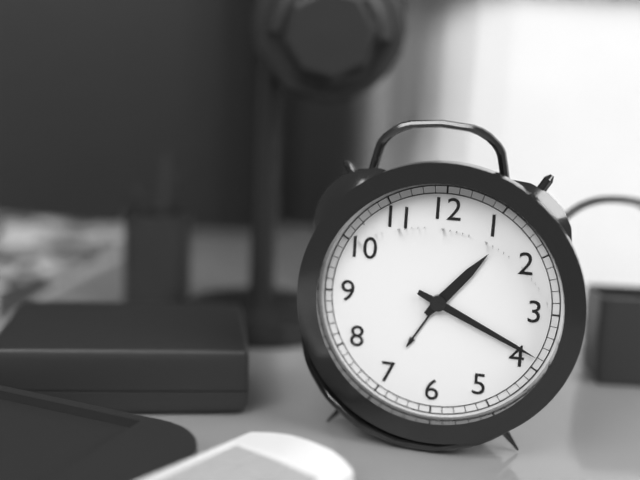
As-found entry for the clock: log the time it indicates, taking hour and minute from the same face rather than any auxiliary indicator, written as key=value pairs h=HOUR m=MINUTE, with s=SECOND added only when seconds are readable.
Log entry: h=1 m=19
